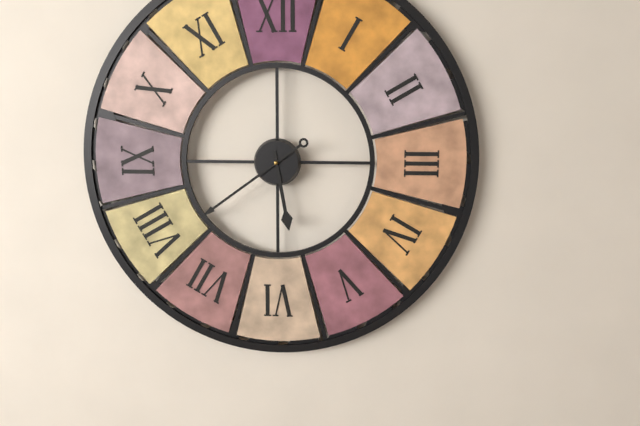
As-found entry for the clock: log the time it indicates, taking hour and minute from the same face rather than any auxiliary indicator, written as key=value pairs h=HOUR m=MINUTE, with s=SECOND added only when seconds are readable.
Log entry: h=5 m=39
